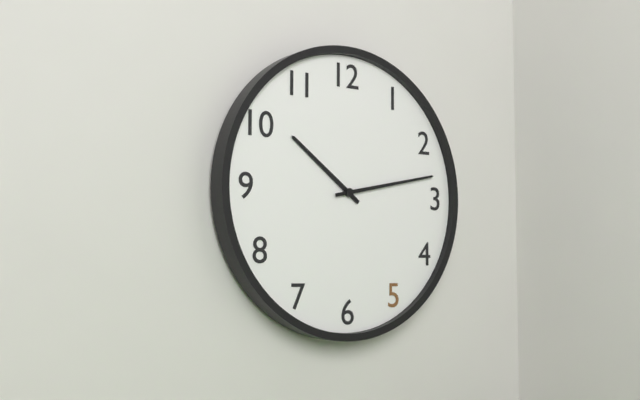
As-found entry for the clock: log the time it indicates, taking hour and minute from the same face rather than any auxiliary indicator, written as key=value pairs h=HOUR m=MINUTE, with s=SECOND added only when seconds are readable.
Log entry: h=10 m=13
